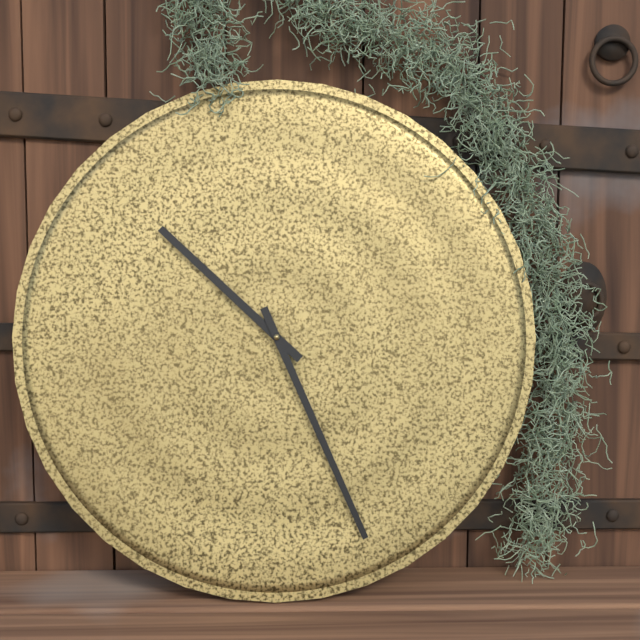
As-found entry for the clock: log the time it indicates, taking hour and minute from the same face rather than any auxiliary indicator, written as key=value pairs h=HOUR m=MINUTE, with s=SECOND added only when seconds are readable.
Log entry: h=10 m=26
